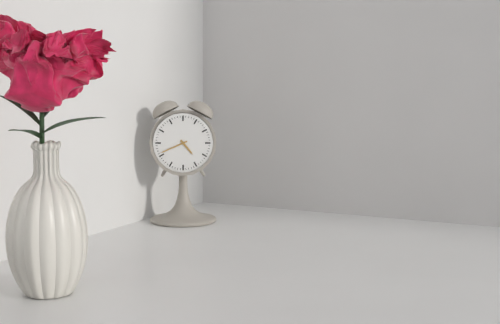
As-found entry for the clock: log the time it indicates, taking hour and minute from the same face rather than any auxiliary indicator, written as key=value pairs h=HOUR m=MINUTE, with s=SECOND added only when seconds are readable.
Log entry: h=4 m=41
